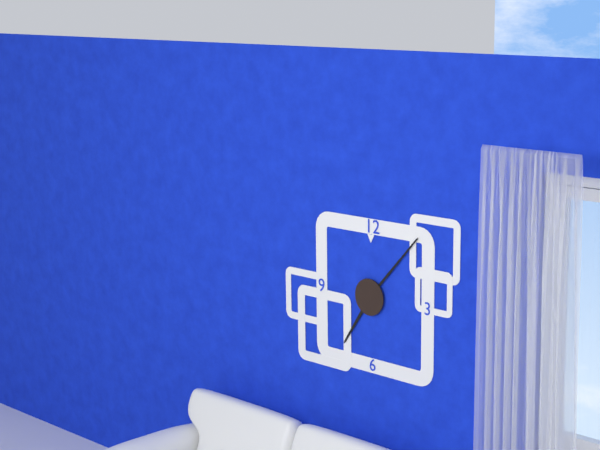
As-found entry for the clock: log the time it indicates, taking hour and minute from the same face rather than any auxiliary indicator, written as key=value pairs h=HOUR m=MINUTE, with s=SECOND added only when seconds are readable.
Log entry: h=7 m=7
